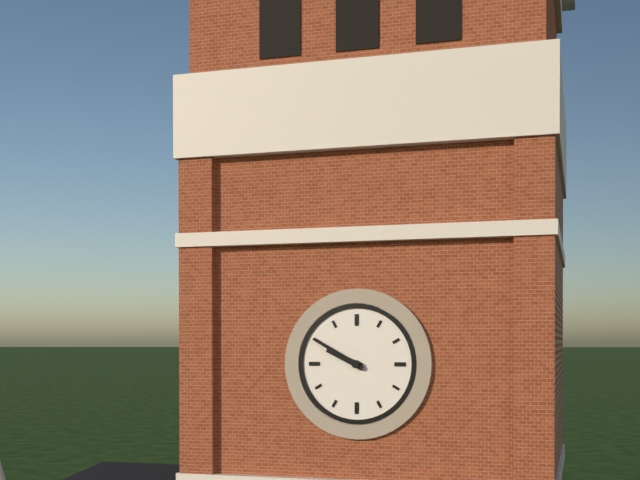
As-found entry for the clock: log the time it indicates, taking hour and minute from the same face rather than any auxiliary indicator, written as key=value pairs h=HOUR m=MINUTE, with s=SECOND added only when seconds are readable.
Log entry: h=9 m=50
